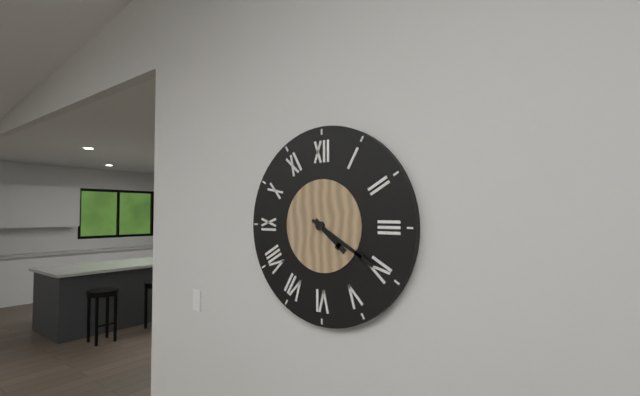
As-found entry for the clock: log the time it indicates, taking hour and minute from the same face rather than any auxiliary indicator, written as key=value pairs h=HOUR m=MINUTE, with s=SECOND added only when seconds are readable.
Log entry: h=4 m=20
